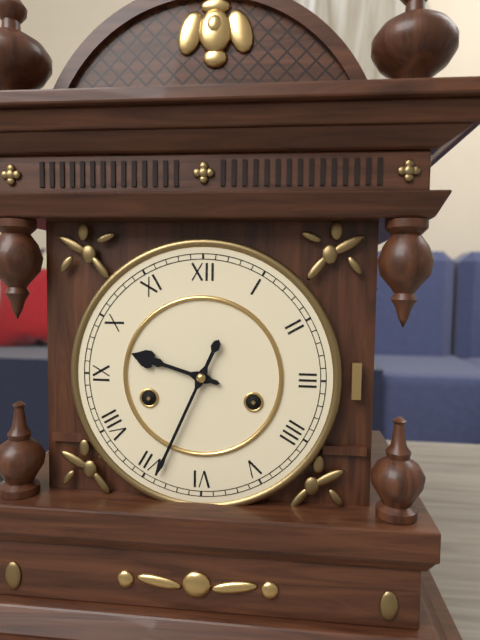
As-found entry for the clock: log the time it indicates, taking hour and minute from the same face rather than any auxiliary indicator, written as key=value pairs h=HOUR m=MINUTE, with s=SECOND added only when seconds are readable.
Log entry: h=9 m=34
